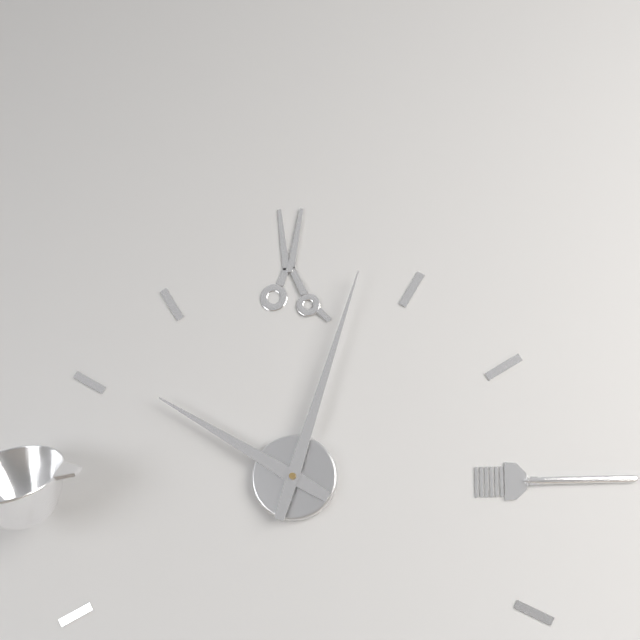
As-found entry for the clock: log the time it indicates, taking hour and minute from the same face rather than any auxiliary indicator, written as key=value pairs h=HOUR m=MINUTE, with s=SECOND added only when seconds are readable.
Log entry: h=10 m=3
